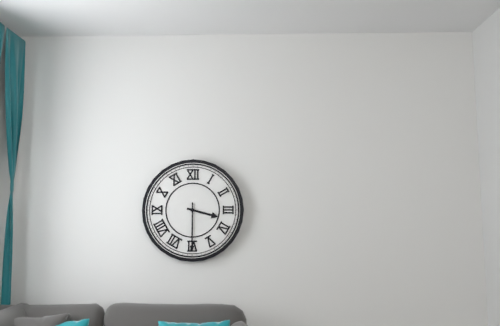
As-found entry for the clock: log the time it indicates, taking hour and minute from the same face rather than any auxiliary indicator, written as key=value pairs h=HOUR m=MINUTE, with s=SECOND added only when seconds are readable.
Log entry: h=3 m=30
